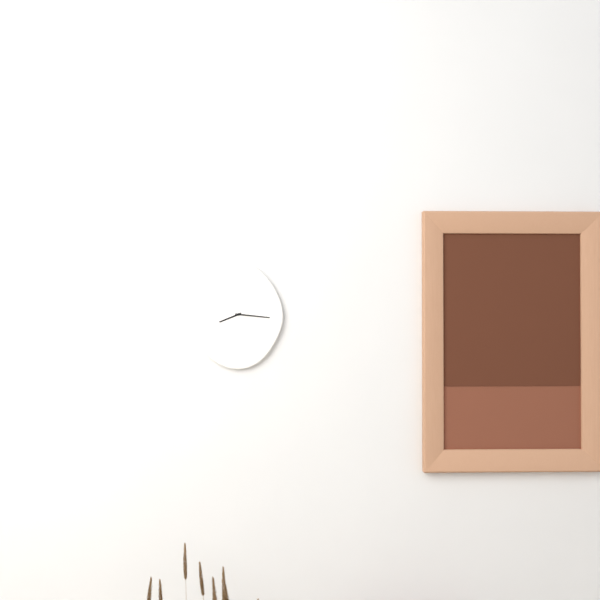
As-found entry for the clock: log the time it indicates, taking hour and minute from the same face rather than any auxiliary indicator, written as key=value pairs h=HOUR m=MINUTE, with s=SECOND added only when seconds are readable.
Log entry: h=8 m=16
